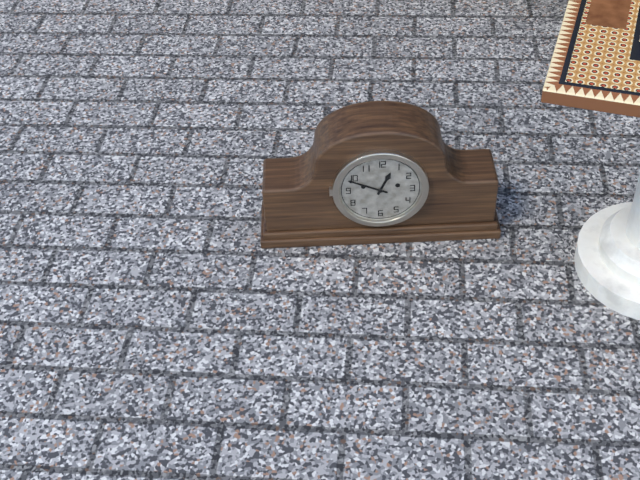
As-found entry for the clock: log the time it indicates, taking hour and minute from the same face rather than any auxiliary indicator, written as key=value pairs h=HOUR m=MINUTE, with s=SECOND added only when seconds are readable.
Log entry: h=12 m=49
